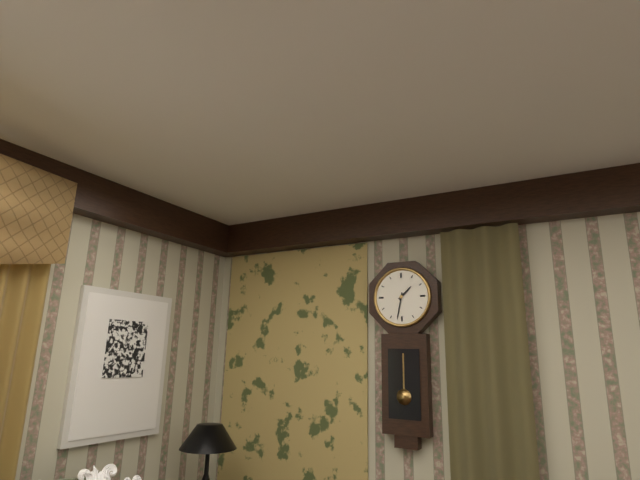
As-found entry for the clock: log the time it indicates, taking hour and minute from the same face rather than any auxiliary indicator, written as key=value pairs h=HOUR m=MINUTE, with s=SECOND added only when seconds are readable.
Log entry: h=1 m=32
